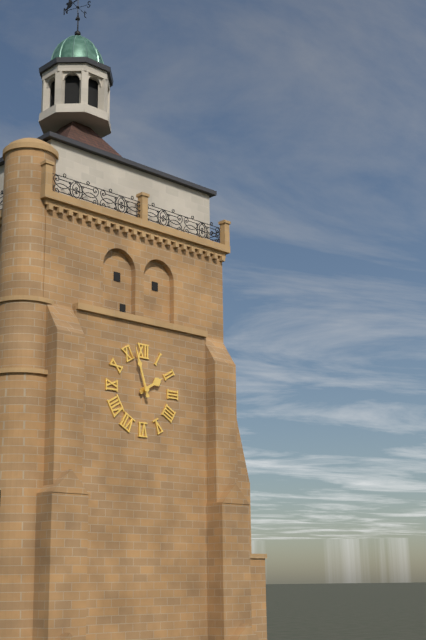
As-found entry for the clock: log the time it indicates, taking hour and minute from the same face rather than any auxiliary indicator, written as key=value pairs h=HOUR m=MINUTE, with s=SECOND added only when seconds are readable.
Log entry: h=1 m=57
